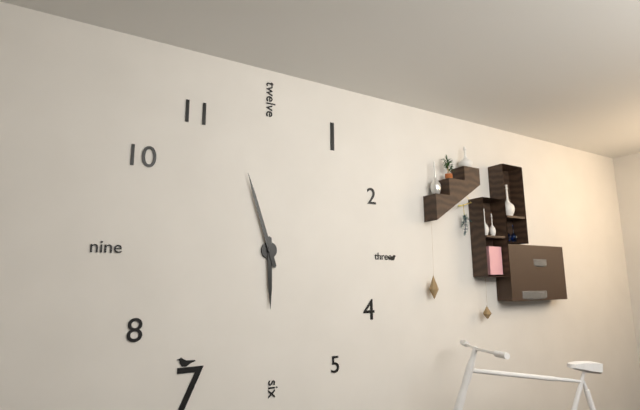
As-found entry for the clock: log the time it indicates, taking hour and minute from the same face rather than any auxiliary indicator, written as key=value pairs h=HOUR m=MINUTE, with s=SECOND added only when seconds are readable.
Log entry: h=5 m=57
